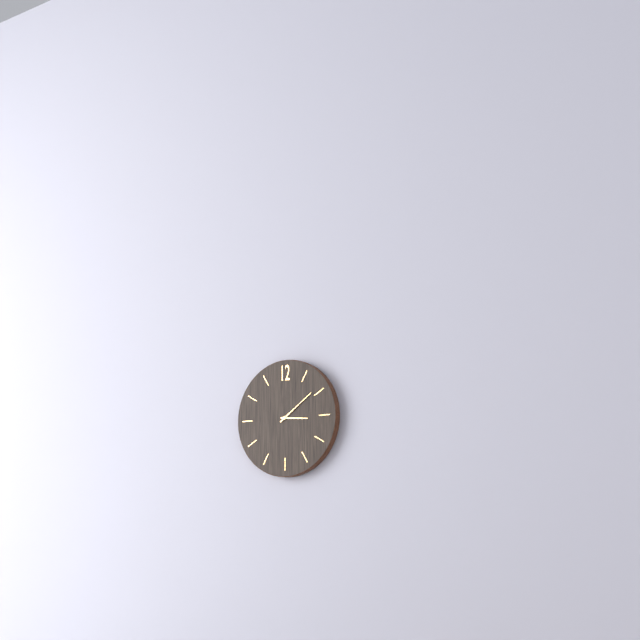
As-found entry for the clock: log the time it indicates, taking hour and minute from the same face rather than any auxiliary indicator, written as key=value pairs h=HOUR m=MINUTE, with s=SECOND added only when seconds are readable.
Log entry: h=3 m=9
